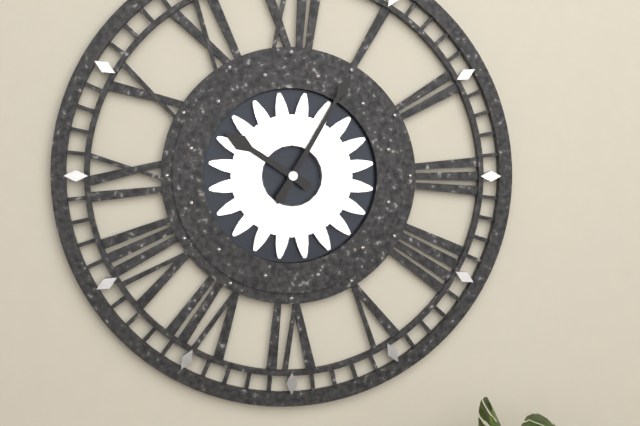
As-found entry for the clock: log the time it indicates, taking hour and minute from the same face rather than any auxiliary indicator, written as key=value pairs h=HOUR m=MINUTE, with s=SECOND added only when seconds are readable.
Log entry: h=10 m=5
